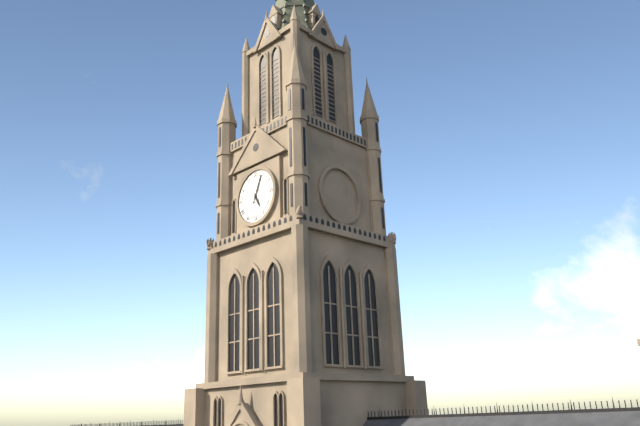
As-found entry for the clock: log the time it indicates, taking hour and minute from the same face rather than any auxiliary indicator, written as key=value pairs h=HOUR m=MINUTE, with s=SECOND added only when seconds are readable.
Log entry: h=5 m=4
